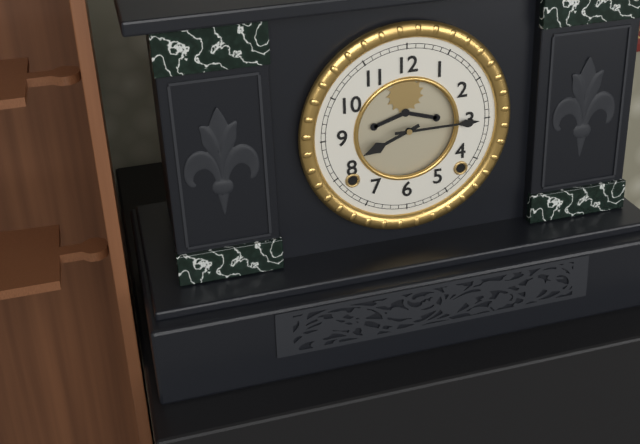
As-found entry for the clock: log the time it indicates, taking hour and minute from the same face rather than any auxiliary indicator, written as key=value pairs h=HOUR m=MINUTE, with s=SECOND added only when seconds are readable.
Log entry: h=8 m=15
